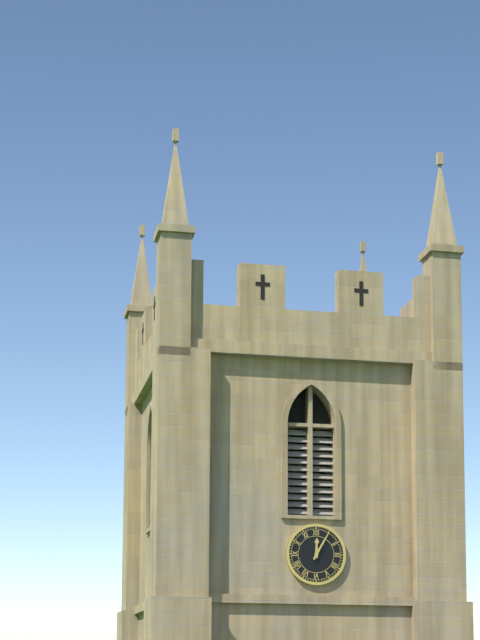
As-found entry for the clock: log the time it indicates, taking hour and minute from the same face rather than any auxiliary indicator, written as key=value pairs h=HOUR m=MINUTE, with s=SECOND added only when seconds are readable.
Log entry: h=12 m=5
